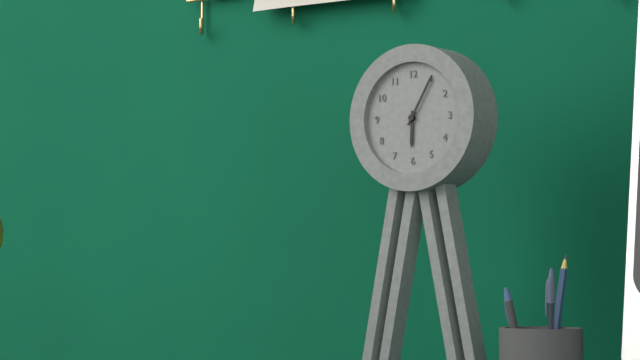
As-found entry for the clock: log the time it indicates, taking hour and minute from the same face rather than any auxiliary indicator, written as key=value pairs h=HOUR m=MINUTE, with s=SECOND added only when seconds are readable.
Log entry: h=6 m=5
